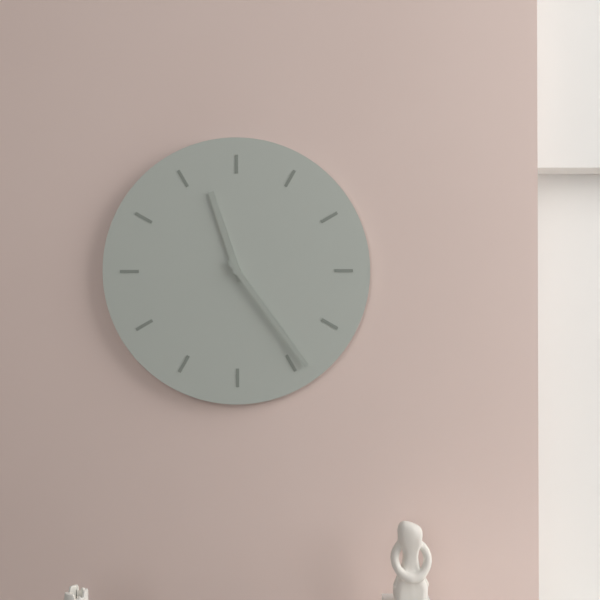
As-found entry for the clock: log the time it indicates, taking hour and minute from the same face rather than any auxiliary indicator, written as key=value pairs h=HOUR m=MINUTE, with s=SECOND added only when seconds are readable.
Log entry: h=11 m=24
